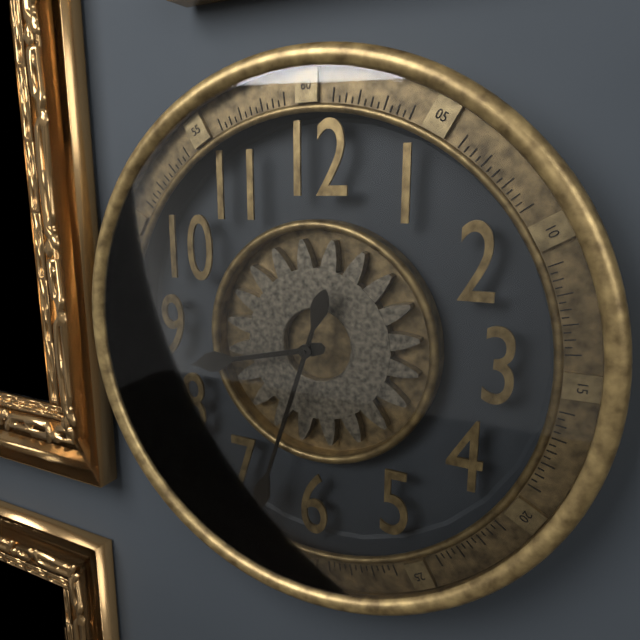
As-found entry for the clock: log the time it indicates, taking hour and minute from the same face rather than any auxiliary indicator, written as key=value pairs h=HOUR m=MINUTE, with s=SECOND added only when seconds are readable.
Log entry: h=8 m=33
